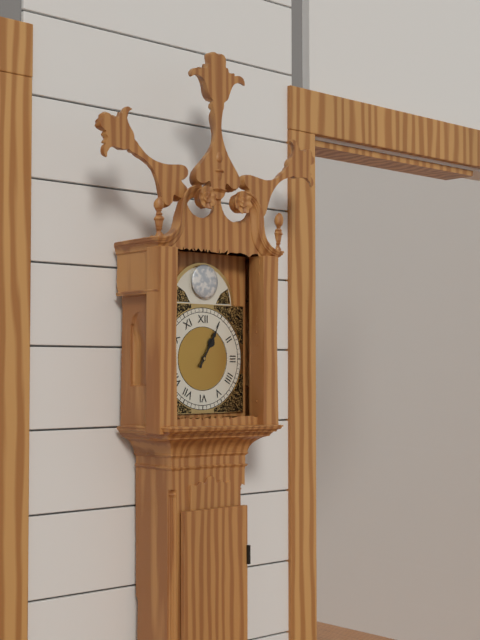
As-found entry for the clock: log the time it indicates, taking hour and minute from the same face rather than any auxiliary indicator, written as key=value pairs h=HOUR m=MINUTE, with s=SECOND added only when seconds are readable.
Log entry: h=1 m=5
